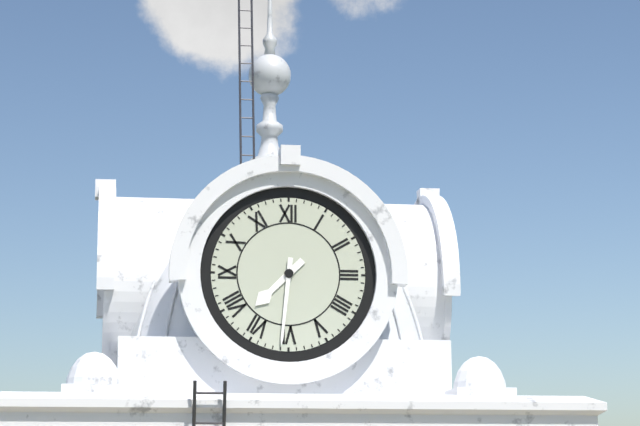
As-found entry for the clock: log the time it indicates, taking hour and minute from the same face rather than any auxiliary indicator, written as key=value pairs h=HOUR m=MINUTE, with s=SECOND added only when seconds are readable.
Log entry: h=7 m=31
